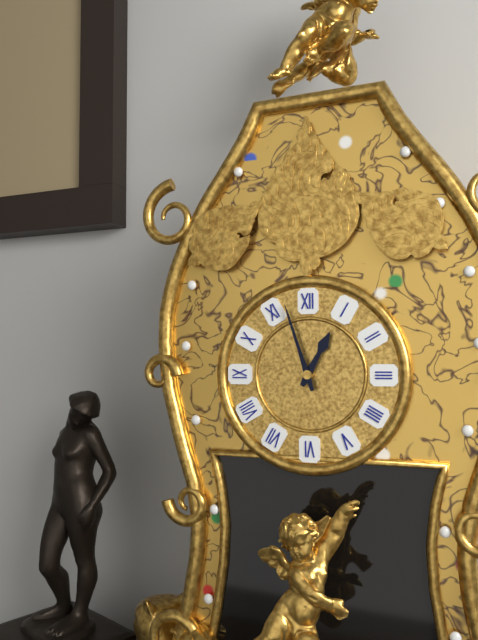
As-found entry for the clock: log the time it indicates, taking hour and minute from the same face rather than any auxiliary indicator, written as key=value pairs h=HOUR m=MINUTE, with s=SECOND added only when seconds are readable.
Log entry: h=12 m=57
